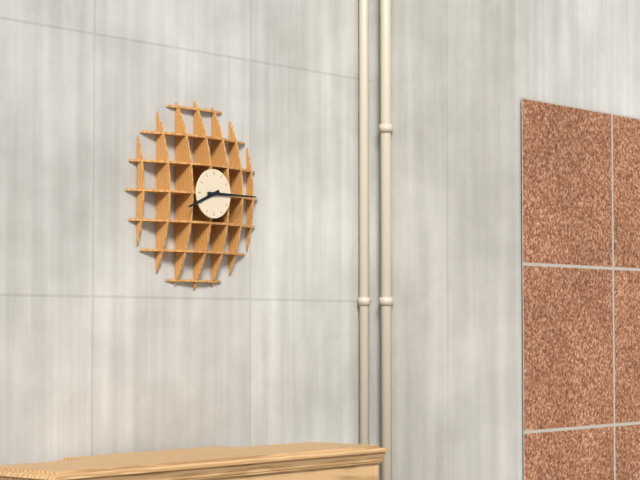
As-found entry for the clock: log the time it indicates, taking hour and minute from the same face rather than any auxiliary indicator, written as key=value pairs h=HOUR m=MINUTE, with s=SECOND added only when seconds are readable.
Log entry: h=8 m=15
